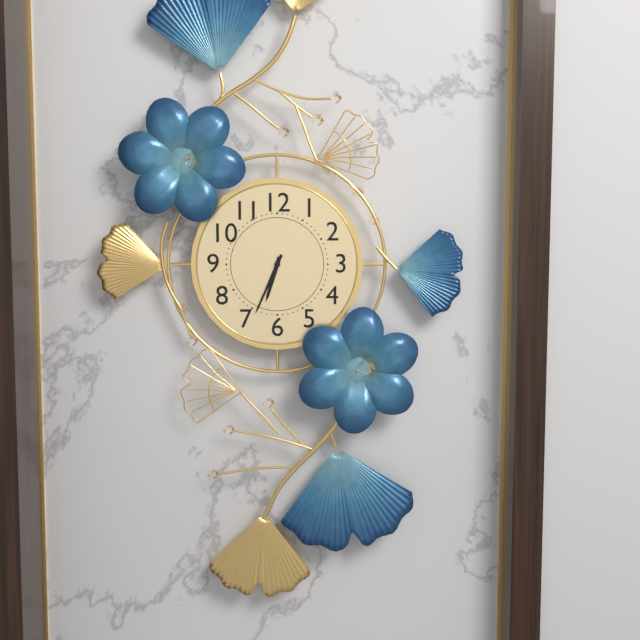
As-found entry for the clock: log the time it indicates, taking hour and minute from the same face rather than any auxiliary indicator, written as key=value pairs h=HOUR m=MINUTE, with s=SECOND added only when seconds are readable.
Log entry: h=6 m=34
